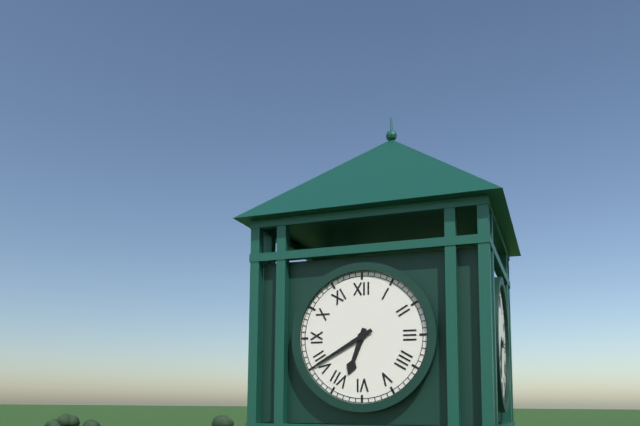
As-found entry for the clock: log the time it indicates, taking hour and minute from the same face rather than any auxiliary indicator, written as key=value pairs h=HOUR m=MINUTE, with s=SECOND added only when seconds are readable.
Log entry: h=6 m=40
